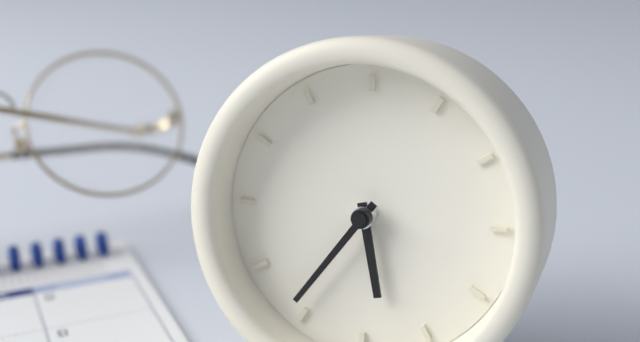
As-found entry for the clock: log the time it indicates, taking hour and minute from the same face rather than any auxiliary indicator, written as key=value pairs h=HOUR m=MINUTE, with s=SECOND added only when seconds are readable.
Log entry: h=5 m=36
